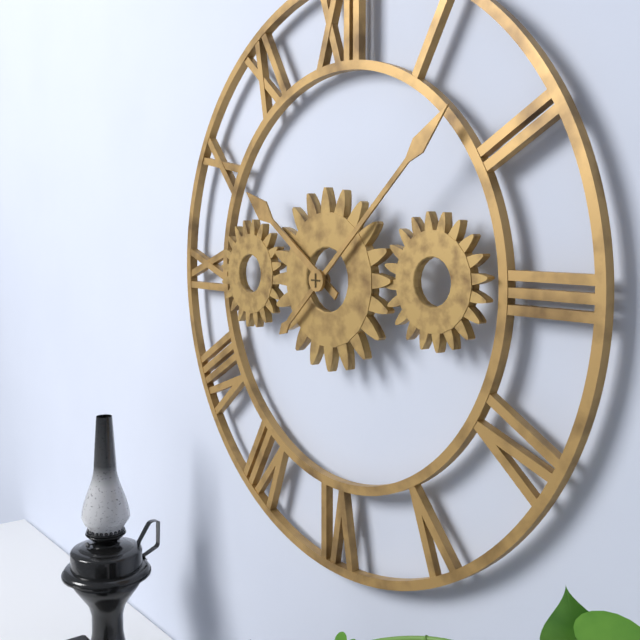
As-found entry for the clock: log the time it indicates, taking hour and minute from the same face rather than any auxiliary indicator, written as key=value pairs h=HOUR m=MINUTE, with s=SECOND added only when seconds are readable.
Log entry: h=10 m=8
